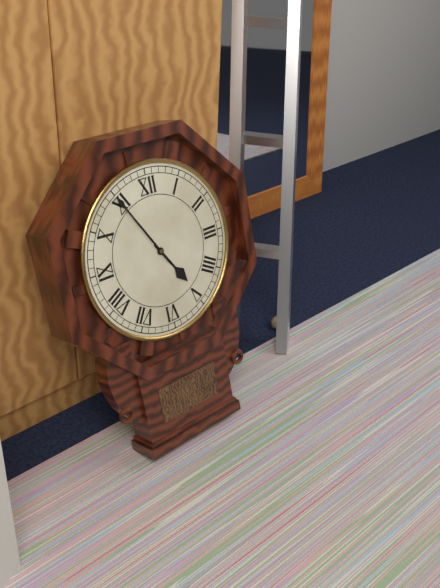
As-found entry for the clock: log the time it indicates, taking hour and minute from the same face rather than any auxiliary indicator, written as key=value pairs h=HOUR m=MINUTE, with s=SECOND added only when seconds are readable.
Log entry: h=4 m=55
